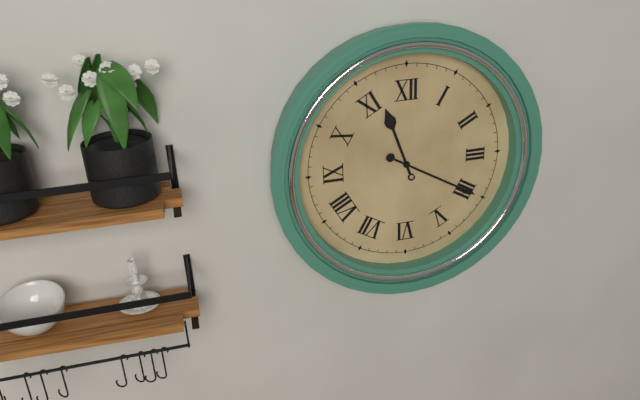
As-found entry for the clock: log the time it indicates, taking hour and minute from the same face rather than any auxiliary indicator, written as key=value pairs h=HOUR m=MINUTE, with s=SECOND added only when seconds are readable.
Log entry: h=11 m=20
